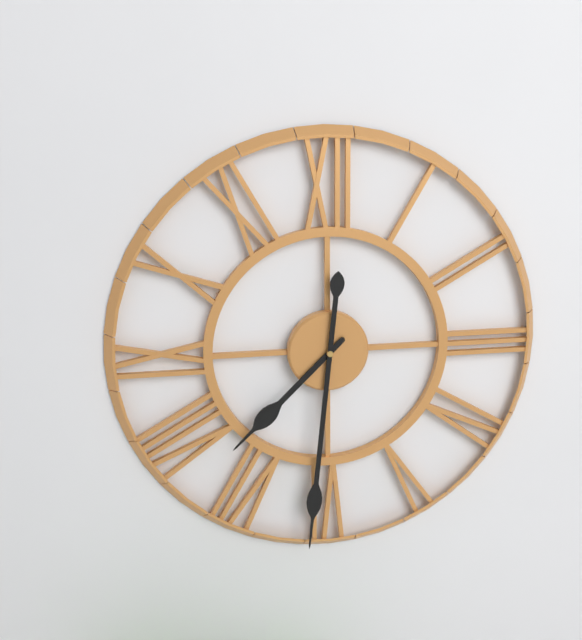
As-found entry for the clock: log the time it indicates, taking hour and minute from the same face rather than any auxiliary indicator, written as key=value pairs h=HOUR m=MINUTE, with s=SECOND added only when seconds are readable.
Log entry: h=7 m=31
